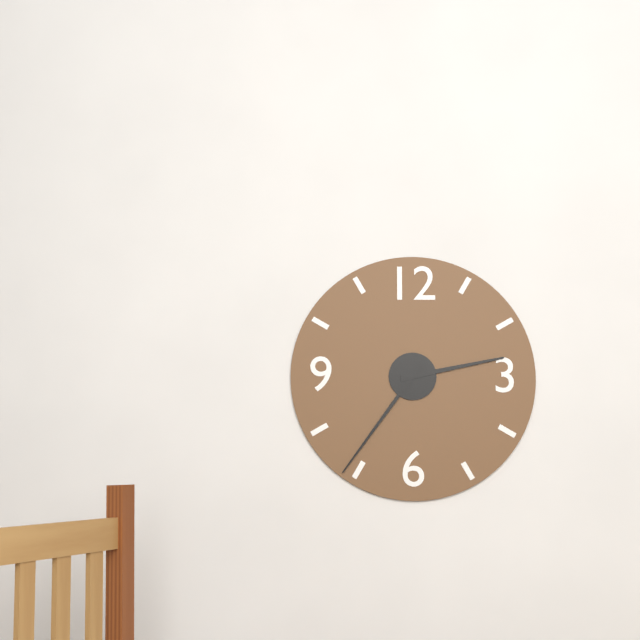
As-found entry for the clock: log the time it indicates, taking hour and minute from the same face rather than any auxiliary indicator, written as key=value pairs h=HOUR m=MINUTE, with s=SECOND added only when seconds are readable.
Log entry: h=2 m=36
